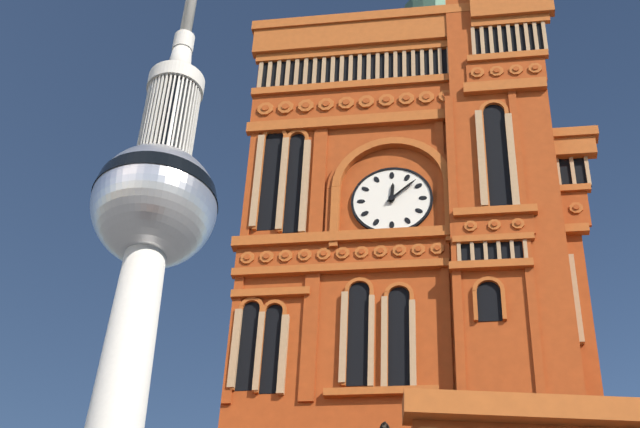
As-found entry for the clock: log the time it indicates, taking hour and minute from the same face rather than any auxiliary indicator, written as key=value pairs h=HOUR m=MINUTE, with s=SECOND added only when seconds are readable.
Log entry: h=12 m=8
